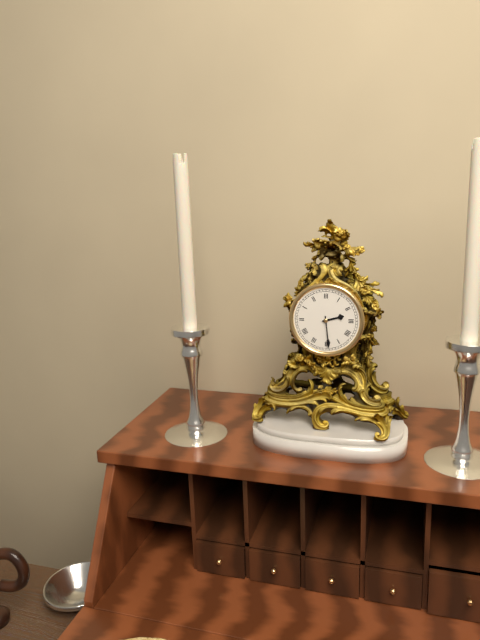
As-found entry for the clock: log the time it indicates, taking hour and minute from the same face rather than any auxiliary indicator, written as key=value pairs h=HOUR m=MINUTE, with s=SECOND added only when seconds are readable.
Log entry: h=2 m=29
